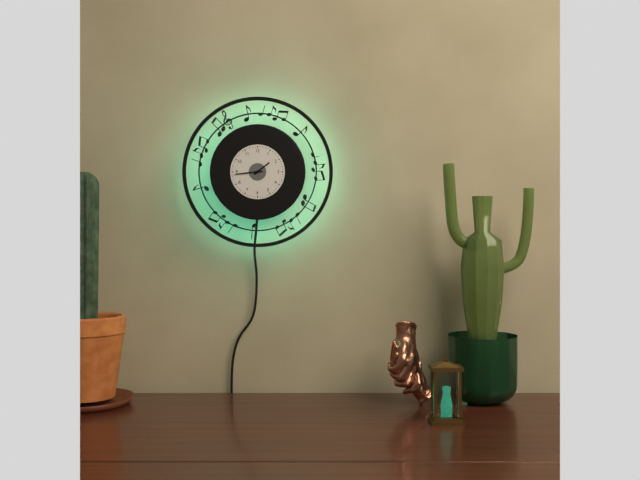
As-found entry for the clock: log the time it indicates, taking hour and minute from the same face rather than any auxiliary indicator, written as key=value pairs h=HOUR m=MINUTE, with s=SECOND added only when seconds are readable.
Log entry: h=1 m=44
